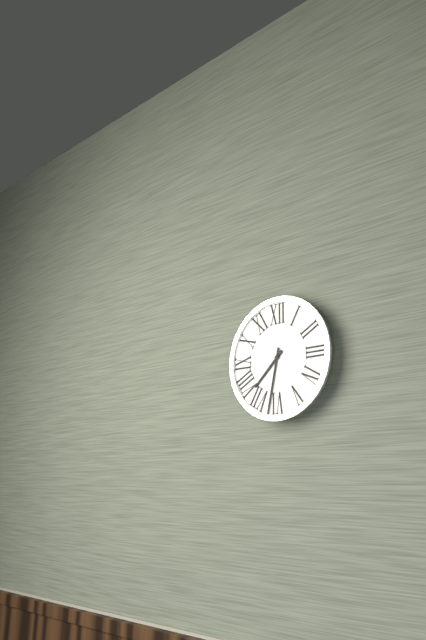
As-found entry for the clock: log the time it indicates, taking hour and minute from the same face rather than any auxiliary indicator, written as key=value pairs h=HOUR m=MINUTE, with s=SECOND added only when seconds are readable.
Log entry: h=7 m=32
